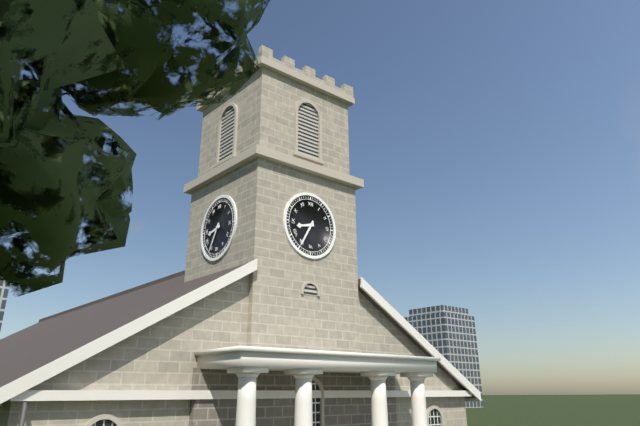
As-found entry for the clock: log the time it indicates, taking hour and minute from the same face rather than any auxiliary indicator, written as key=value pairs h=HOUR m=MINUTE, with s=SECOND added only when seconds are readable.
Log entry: h=8 m=35
